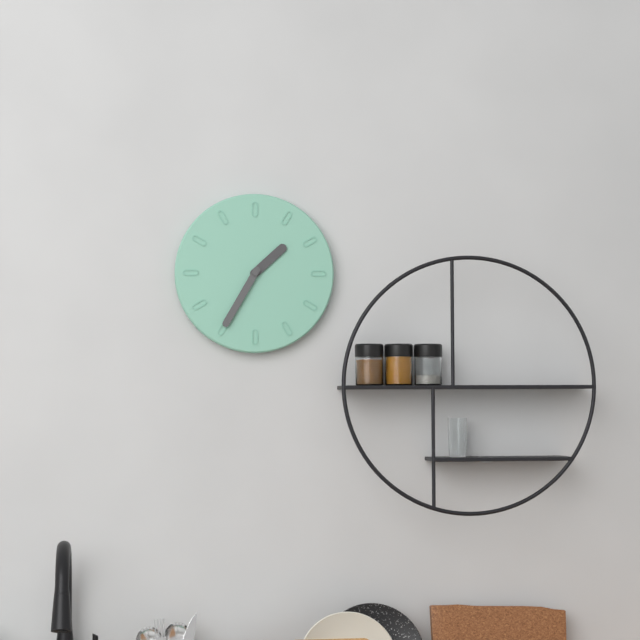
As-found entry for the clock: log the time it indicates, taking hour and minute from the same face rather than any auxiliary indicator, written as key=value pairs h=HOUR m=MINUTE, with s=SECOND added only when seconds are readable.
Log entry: h=1 m=35
